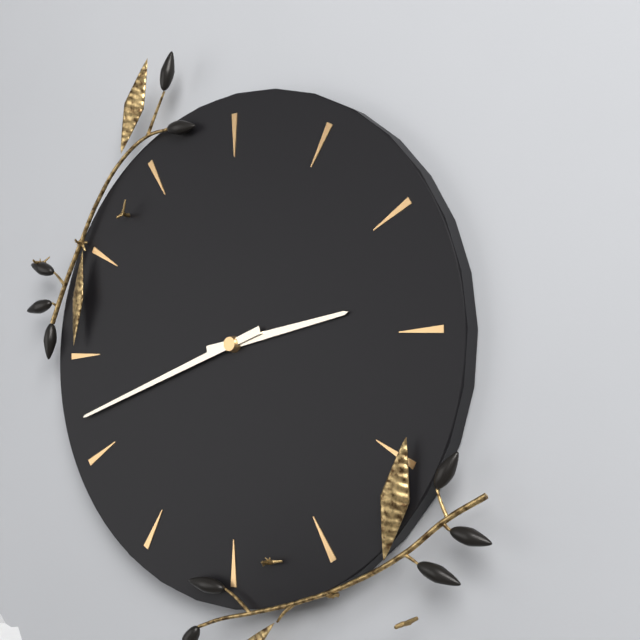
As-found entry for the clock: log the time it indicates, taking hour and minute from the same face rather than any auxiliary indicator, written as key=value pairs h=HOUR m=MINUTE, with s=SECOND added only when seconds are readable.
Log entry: h=2 m=42
